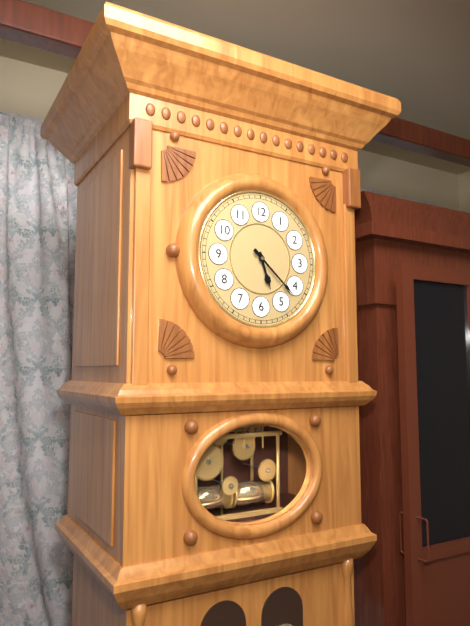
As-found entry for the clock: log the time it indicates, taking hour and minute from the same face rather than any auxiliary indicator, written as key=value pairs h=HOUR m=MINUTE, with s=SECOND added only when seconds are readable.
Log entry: h=5 m=22
